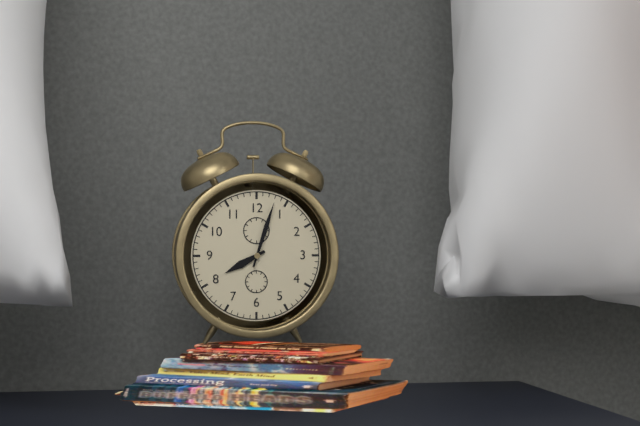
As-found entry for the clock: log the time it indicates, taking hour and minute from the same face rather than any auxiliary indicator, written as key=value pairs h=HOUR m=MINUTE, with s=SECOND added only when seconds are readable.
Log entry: h=8 m=3
